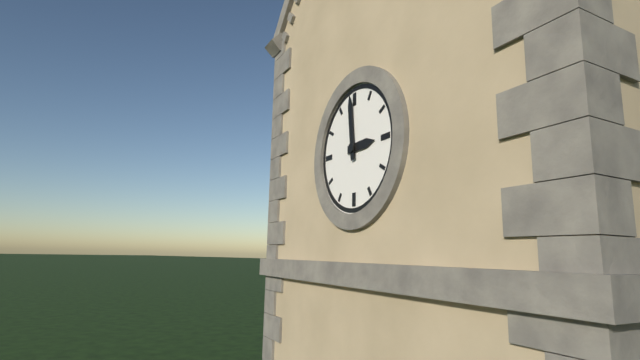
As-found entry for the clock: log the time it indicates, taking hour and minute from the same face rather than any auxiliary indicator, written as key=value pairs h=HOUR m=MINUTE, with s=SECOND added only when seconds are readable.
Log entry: h=2 m=59
